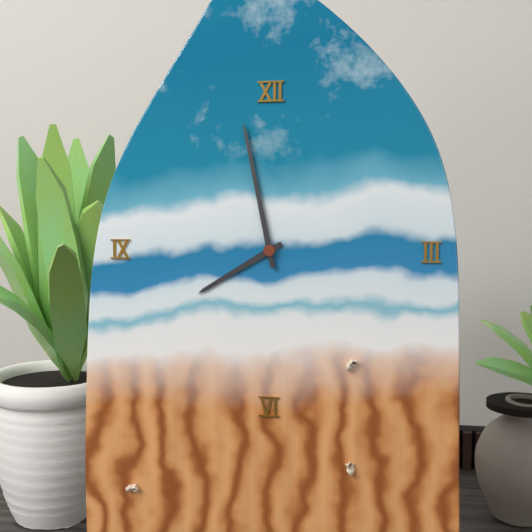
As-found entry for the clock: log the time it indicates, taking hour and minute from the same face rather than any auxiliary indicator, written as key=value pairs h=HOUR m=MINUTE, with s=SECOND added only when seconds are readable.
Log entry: h=7 m=58
